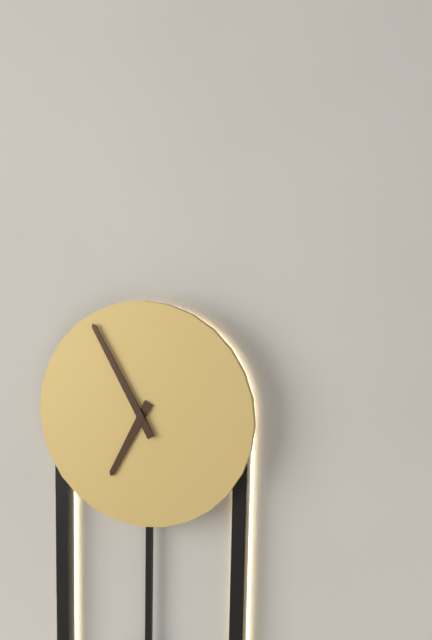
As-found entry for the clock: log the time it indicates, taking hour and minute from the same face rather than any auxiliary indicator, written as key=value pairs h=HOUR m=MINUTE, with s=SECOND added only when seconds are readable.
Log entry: h=6 m=55
